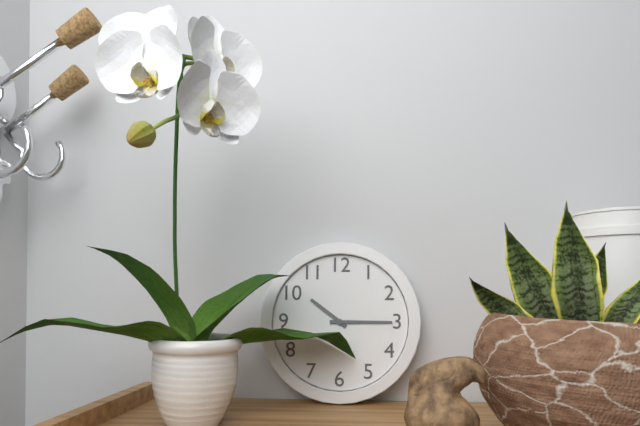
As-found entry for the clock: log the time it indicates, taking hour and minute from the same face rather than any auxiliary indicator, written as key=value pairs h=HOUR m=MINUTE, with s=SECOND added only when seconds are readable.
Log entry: h=10 m=15
